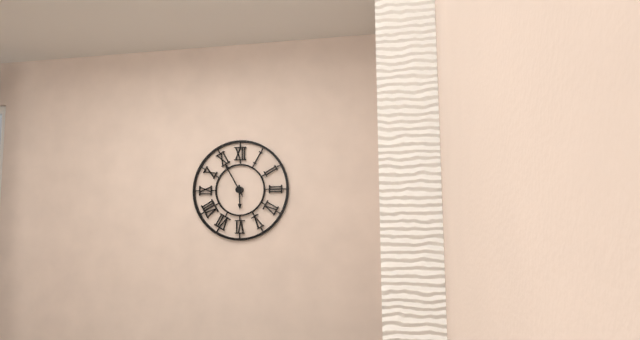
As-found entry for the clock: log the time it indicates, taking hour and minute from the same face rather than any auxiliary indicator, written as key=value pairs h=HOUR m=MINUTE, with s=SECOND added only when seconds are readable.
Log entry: h=5 m=55
